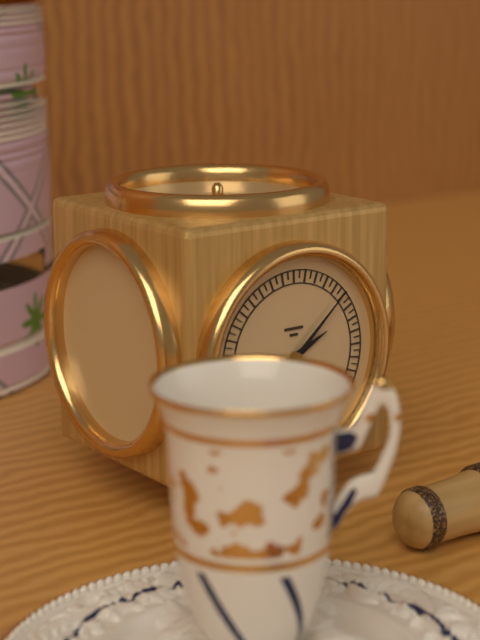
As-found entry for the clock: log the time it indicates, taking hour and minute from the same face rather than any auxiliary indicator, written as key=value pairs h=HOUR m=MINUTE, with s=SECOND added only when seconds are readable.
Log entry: h=2 m=8
